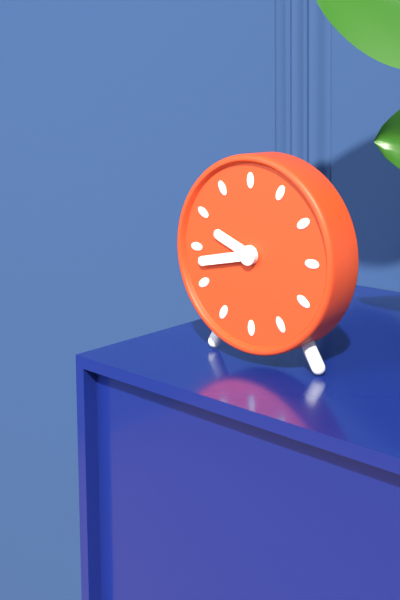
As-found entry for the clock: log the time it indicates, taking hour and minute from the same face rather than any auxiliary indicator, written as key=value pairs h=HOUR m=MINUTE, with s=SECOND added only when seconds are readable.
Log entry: h=9 m=43
